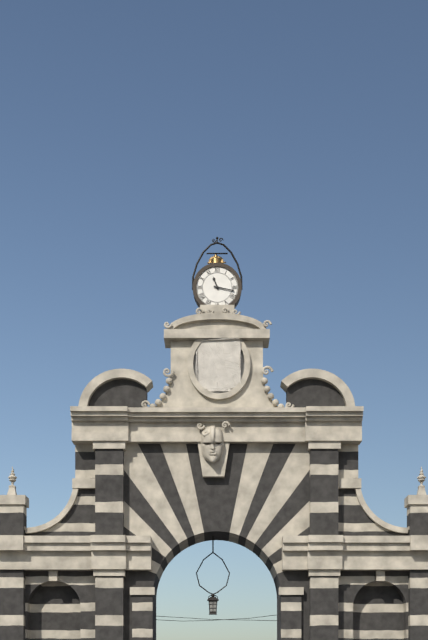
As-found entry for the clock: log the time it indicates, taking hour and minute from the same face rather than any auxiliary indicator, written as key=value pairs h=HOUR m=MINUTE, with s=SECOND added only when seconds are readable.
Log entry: h=11 m=17
